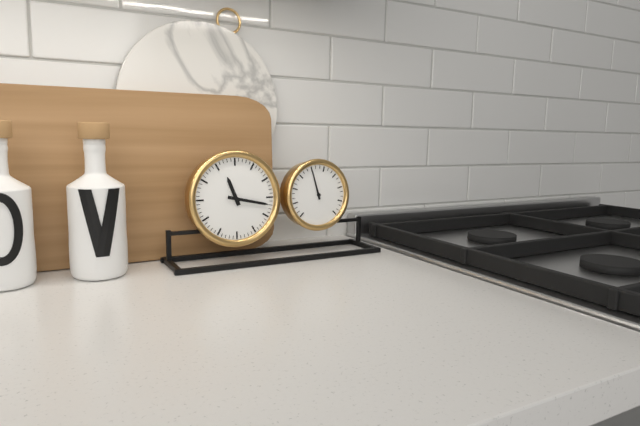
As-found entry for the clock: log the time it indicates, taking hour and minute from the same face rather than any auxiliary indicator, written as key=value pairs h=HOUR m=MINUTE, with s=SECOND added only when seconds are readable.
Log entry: h=11 m=17
